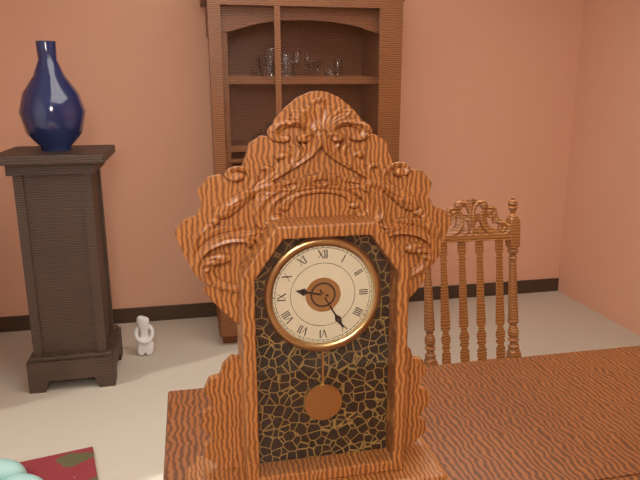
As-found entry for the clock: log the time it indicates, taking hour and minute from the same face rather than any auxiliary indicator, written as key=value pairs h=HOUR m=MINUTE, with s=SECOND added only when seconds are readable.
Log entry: h=9 m=25
